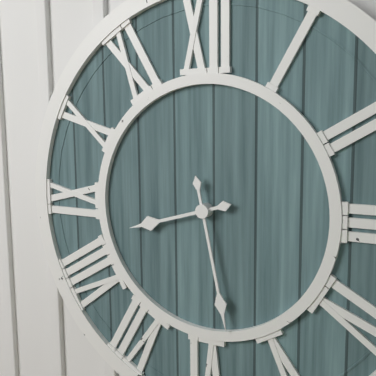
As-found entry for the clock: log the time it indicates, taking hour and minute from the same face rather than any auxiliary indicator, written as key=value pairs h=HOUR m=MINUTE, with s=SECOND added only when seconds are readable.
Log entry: h=8 m=28
